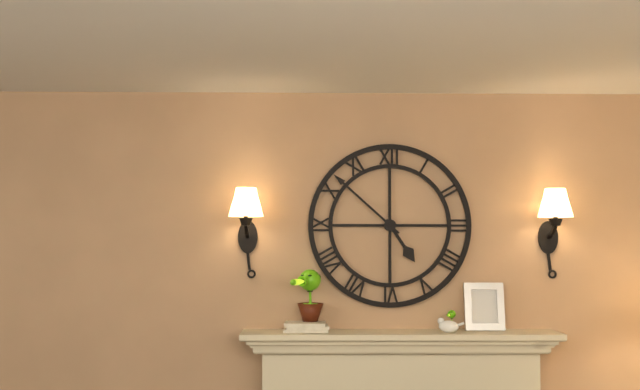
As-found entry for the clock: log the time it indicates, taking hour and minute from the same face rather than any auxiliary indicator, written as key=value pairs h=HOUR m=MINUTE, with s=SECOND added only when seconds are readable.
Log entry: h=4 m=52
